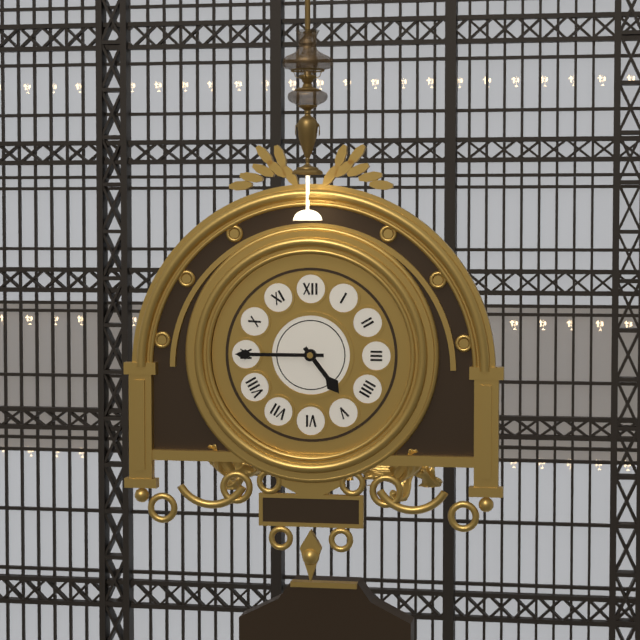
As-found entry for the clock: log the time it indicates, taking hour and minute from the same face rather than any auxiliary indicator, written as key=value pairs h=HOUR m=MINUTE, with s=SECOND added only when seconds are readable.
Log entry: h=4 m=45
